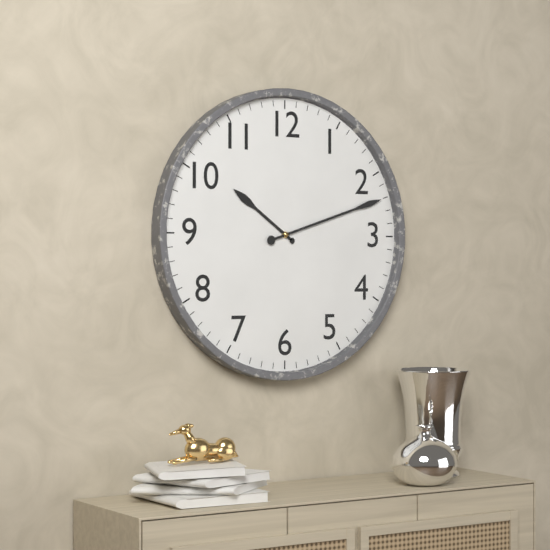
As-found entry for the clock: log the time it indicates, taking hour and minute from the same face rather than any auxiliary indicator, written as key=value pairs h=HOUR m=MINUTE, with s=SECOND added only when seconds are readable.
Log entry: h=10 m=12
